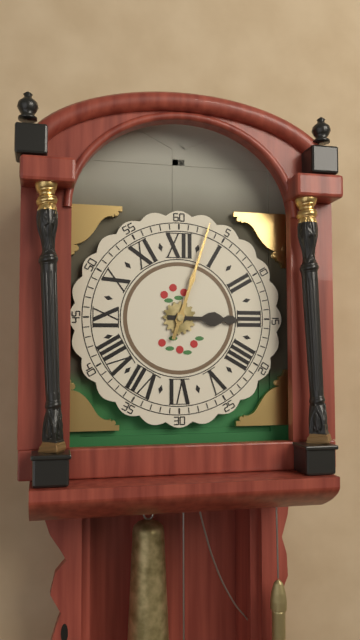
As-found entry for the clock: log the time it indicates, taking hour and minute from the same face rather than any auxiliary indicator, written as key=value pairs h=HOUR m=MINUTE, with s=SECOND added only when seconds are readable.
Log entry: h=3 m=3
